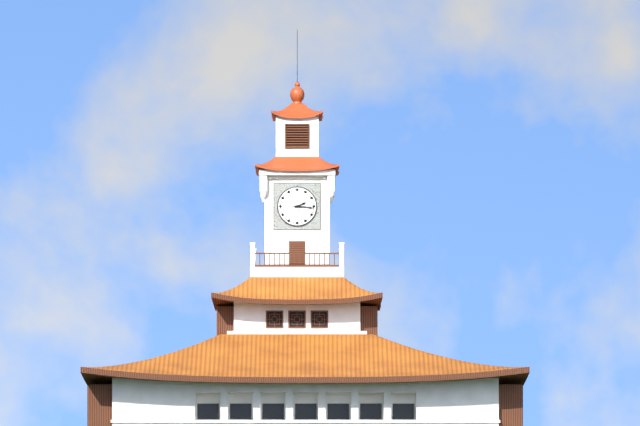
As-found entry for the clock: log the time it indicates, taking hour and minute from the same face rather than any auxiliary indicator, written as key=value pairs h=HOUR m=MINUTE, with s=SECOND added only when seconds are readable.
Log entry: h=2 m=16
